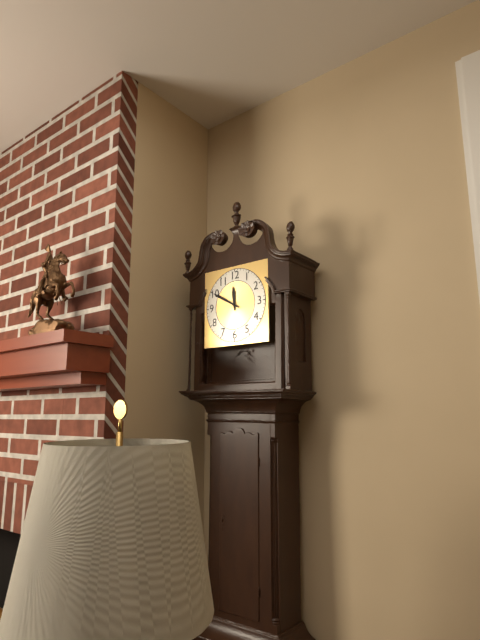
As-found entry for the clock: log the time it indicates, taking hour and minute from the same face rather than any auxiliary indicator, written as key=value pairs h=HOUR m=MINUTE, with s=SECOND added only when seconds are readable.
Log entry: h=11 m=50
